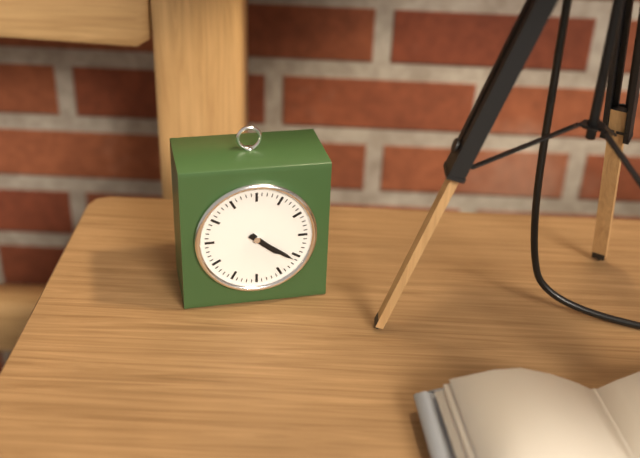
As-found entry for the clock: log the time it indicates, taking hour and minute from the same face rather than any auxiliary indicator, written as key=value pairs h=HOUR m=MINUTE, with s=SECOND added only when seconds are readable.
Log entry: h=4 m=21
